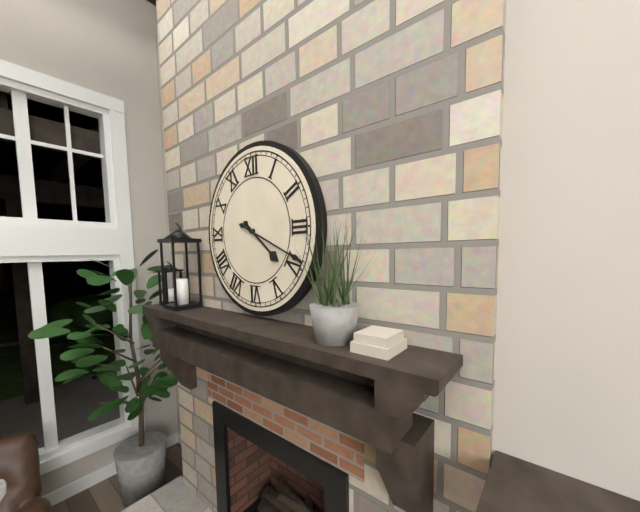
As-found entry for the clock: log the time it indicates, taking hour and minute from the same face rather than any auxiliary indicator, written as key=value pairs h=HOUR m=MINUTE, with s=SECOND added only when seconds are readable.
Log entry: h=4 m=19
